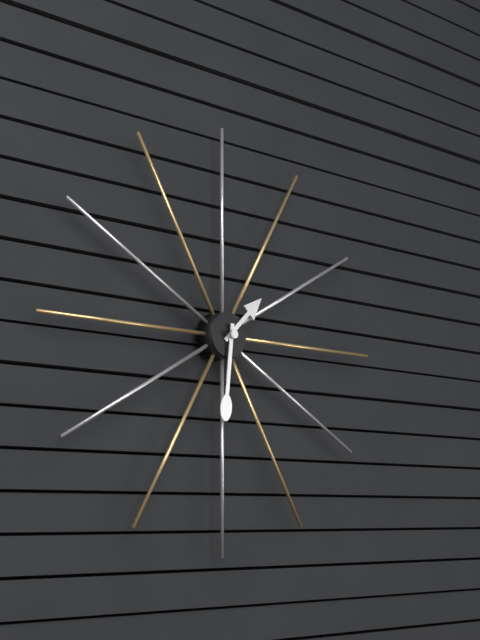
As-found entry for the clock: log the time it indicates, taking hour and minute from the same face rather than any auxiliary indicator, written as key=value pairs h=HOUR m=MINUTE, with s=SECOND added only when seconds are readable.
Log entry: h=1 m=31
